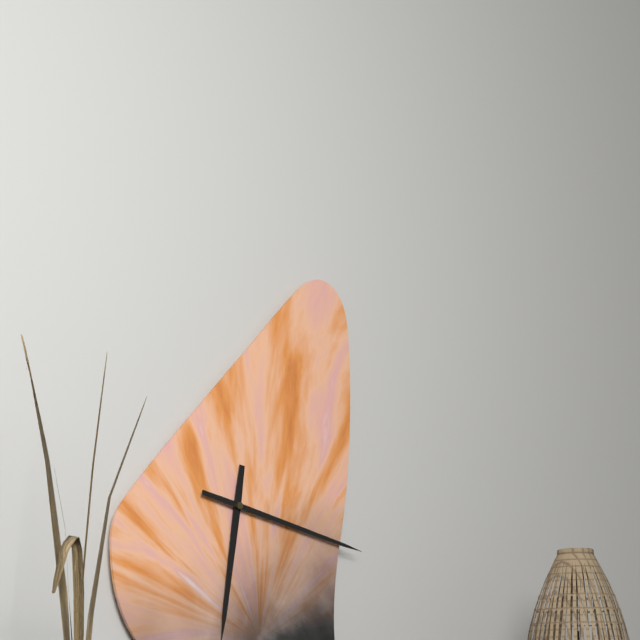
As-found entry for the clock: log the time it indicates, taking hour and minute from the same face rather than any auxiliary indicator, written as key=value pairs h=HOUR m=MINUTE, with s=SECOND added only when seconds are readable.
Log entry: h=6 m=17
